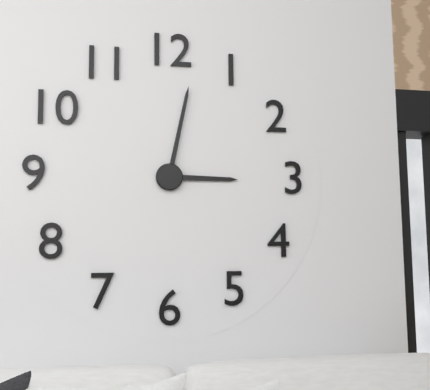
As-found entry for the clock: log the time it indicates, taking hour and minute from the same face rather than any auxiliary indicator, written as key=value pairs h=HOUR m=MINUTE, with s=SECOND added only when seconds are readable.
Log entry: h=3 m=2
